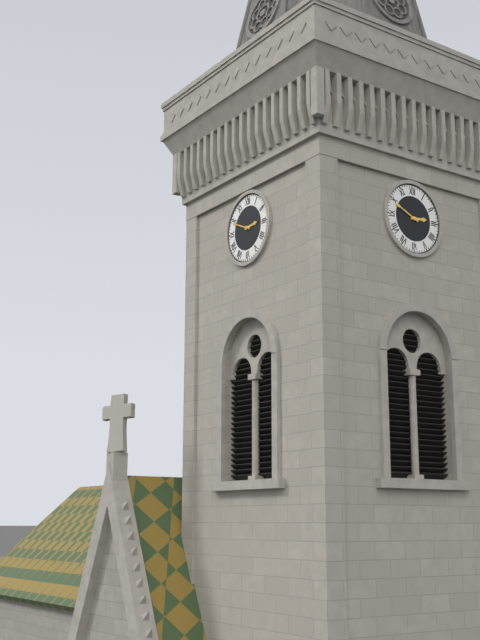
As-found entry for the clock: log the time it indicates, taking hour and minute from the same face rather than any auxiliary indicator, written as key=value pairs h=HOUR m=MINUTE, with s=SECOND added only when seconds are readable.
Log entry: h=2 m=49
